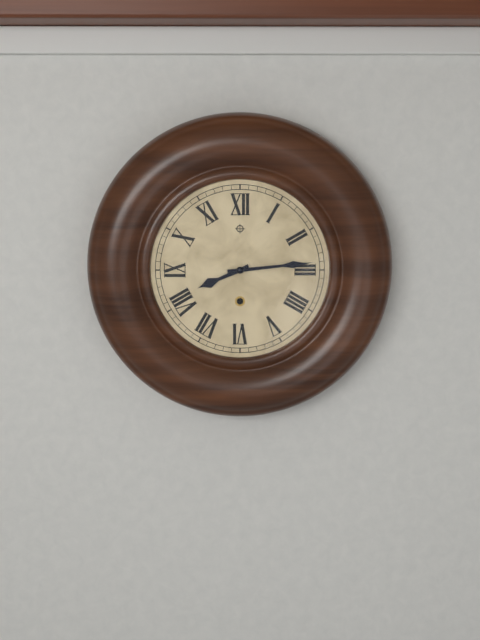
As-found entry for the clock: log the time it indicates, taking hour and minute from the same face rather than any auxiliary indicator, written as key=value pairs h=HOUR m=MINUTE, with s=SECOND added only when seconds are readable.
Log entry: h=8 m=14
